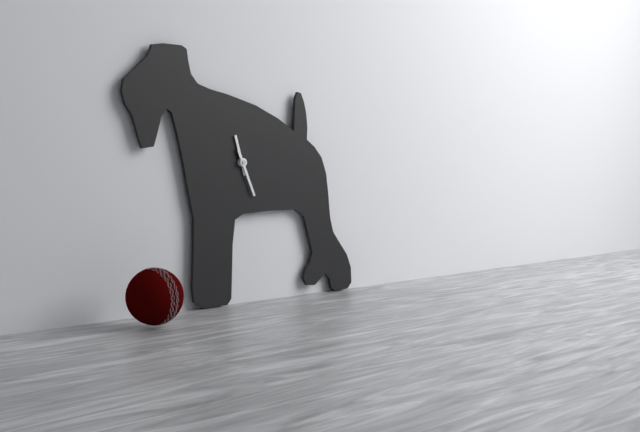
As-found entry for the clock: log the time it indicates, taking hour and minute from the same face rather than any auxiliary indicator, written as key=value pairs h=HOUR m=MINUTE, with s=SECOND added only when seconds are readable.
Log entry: h=11 m=26
